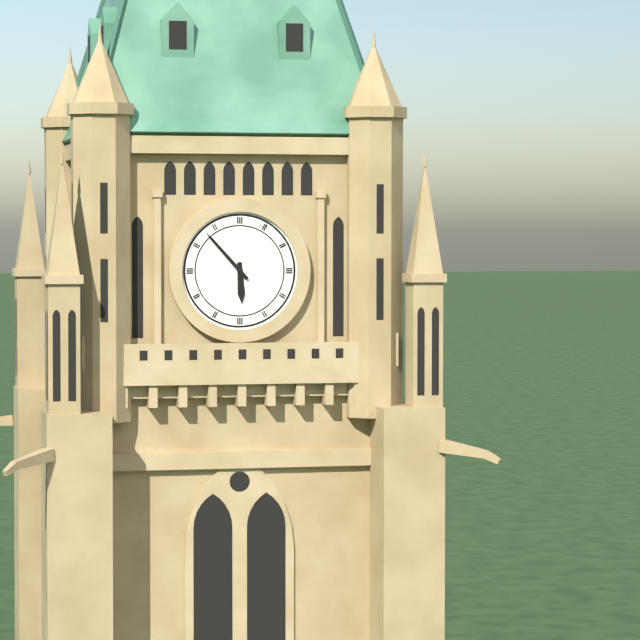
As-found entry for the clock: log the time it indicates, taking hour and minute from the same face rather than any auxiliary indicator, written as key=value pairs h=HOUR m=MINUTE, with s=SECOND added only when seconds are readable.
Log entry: h=5 m=53
